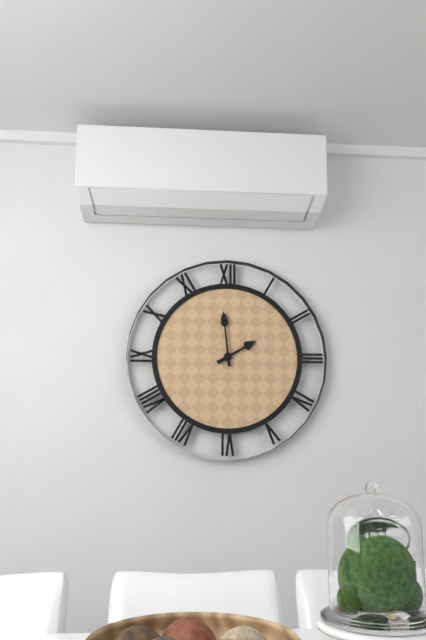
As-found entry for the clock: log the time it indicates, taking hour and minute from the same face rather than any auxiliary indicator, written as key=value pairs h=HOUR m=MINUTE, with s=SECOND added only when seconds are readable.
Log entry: h=1 m=59
